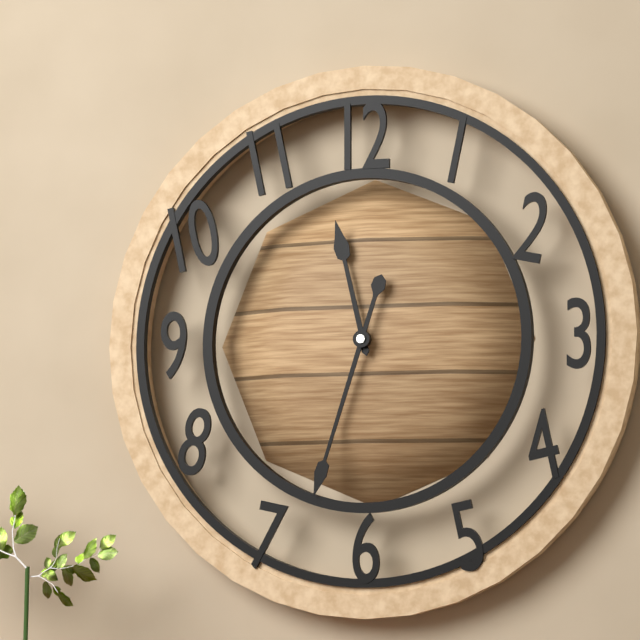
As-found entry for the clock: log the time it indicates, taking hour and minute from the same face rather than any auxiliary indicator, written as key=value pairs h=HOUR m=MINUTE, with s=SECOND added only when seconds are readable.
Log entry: h=11 m=33
